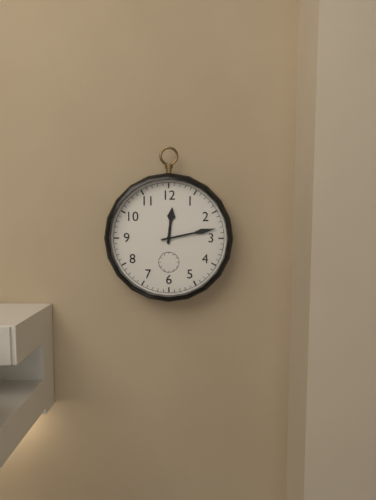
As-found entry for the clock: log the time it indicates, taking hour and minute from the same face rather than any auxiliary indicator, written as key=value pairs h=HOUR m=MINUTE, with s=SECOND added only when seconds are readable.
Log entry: h=12 m=13
